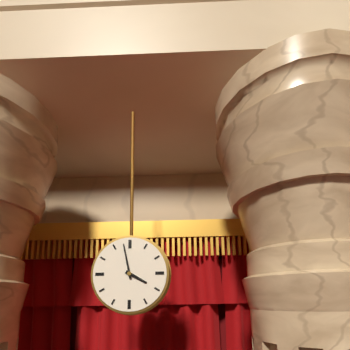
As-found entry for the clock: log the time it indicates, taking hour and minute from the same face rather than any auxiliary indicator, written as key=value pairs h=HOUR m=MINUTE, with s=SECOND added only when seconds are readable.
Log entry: h=3 m=58
